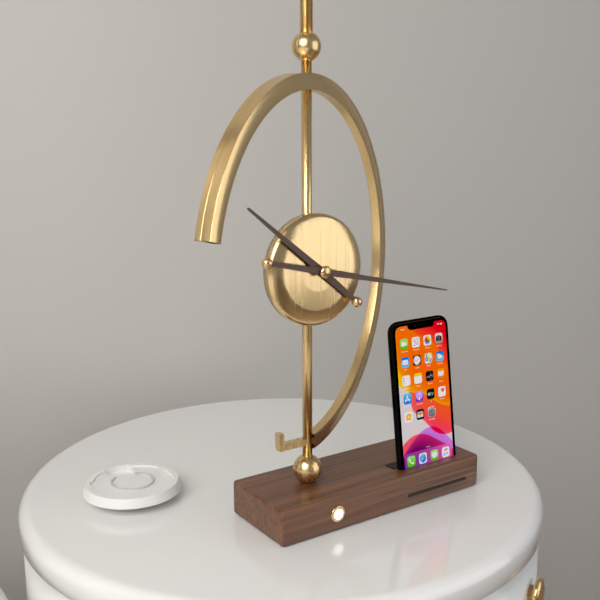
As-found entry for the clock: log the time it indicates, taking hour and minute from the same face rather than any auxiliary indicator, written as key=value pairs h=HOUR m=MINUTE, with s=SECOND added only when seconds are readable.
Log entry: h=10 m=17
